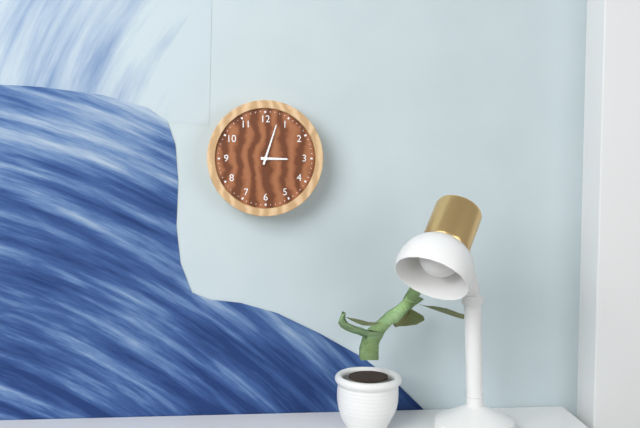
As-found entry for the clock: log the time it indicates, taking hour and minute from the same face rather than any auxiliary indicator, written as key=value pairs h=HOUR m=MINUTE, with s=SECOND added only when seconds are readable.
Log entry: h=3 m=3
